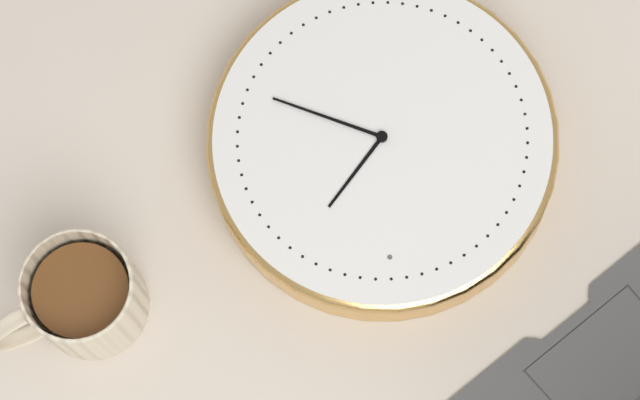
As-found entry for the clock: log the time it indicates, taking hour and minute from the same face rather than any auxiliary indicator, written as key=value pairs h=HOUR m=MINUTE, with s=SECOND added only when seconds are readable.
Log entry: h=1 m=19
